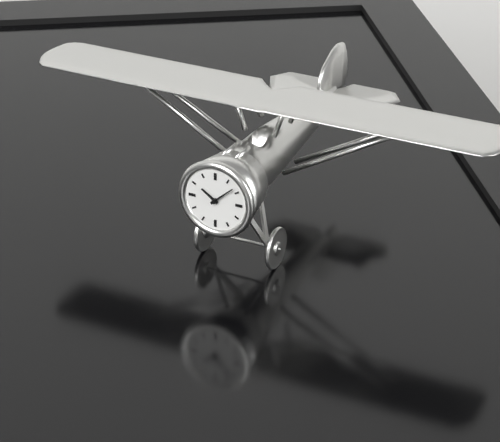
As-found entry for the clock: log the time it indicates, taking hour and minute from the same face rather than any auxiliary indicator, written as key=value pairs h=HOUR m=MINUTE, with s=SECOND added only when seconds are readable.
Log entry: h=10 m=8
